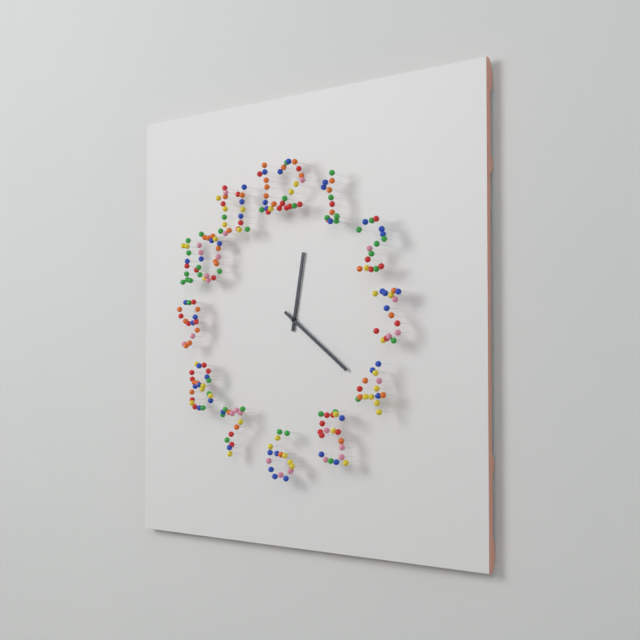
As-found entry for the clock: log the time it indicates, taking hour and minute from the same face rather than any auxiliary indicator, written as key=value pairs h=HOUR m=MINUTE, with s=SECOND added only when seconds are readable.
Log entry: h=12 m=21
